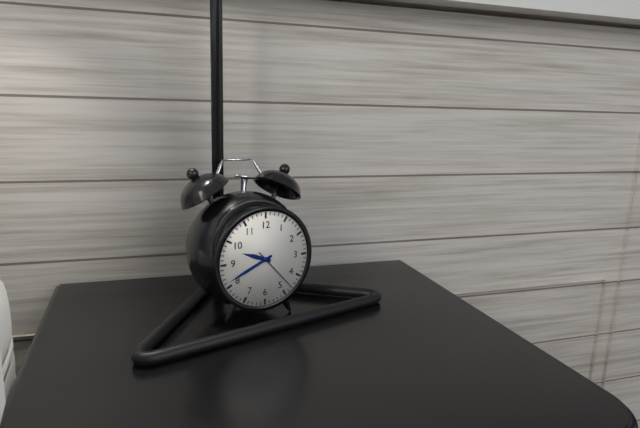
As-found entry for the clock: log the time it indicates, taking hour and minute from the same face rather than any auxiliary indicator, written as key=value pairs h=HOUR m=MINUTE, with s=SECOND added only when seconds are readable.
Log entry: h=9 m=41
